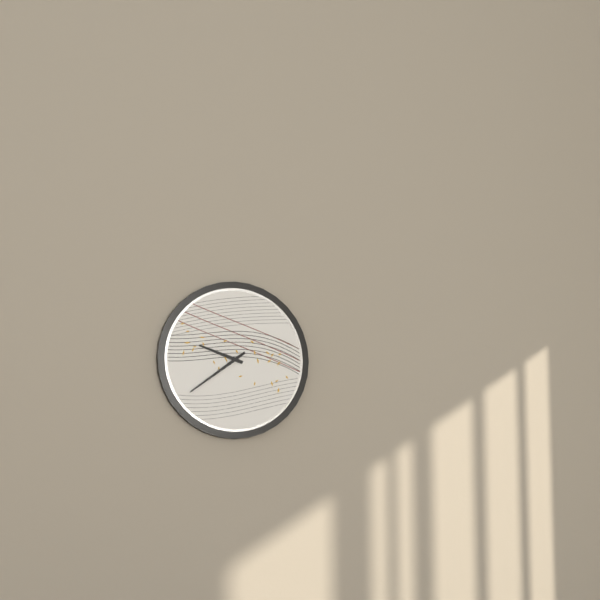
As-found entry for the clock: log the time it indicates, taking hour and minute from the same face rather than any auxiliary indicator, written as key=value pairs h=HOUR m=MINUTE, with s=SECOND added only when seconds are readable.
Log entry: h=9 m=39
